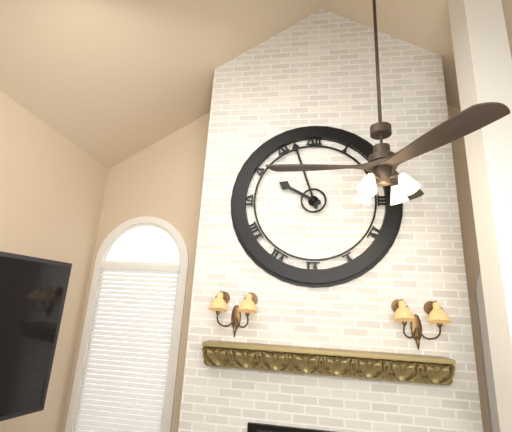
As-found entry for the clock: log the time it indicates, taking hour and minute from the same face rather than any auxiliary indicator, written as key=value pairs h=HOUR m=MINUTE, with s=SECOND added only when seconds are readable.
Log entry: h=9 m=57
